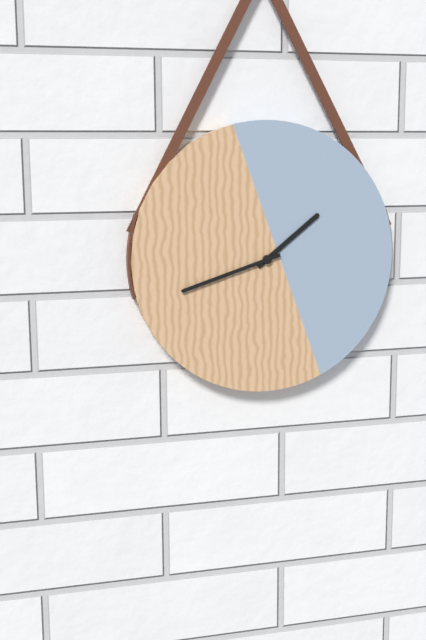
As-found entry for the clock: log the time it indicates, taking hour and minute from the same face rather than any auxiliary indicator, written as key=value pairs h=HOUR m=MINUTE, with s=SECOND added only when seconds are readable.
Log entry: h=1 m=42
